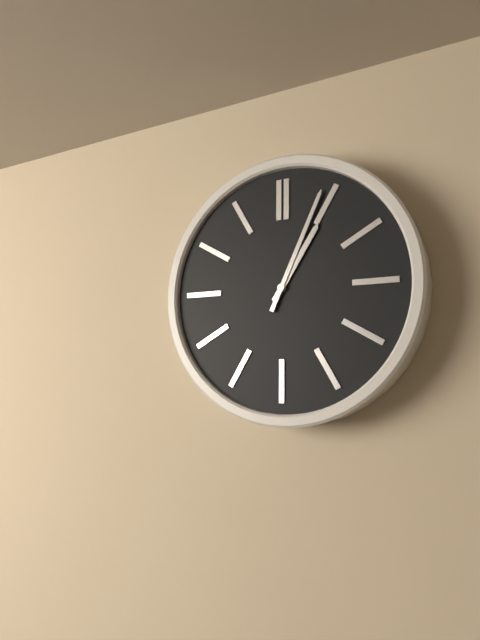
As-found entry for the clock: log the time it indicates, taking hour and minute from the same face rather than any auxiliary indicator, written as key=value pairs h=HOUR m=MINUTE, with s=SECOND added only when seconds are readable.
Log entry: h=1 m=4
